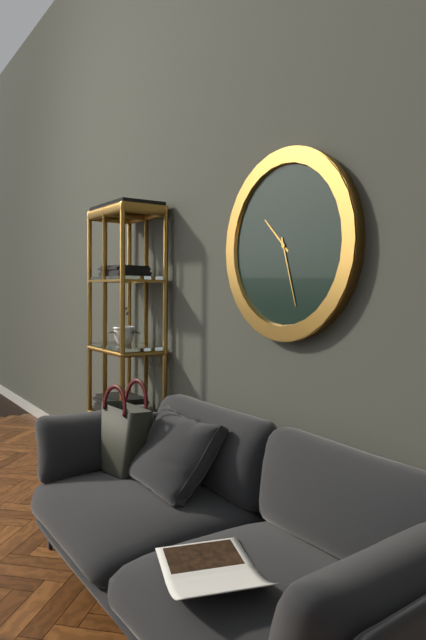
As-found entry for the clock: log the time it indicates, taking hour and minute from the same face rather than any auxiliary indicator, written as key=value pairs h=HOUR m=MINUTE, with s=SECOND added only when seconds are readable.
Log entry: h=10 m=27
